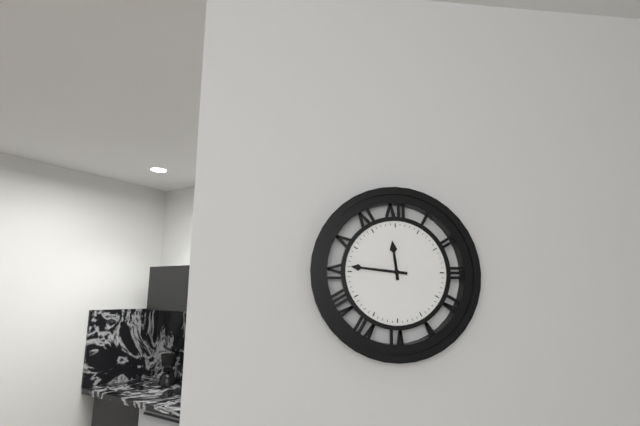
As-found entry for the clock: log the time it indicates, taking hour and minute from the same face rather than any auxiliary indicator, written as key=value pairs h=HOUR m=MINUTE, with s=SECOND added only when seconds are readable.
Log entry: h=11 m=46
